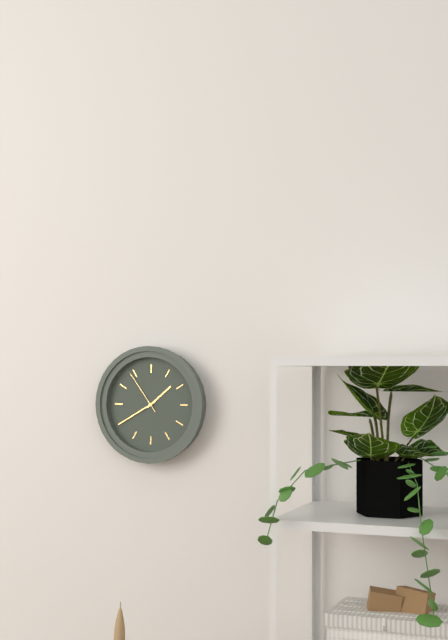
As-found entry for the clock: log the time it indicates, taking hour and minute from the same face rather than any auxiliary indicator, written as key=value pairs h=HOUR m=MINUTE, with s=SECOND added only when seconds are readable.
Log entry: h=1 m=40
